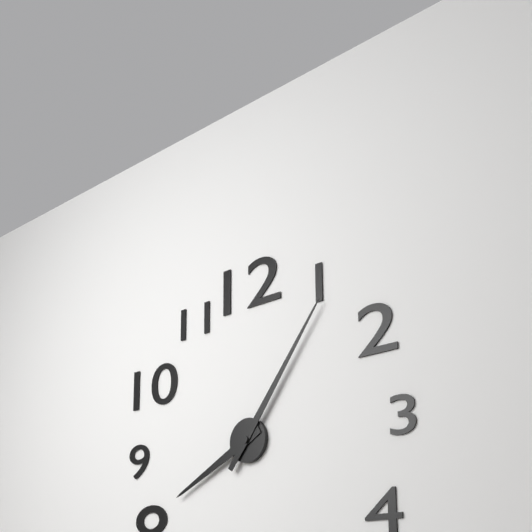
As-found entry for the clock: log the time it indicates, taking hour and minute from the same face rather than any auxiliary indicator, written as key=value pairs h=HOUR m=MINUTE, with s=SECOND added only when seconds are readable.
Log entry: h=8 m=6
